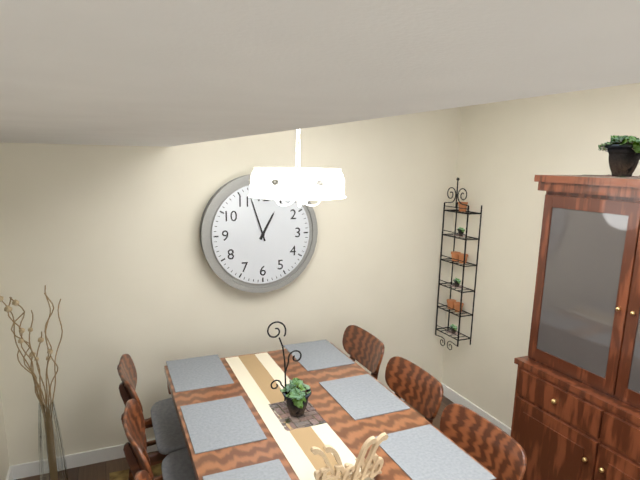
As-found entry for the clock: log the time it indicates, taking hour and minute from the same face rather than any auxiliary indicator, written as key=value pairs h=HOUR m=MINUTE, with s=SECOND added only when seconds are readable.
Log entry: h=12 m=57
